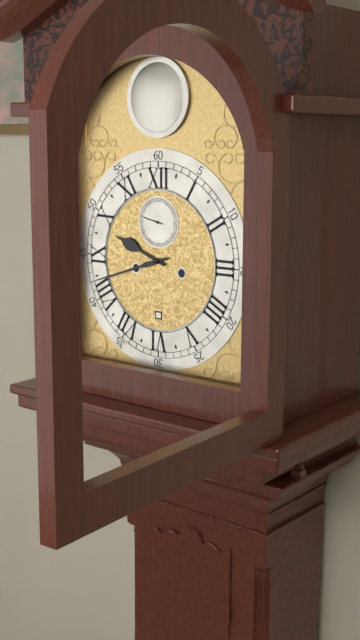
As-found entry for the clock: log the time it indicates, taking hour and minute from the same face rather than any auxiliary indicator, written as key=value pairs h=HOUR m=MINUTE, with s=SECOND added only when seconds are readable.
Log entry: h=9 m=42
